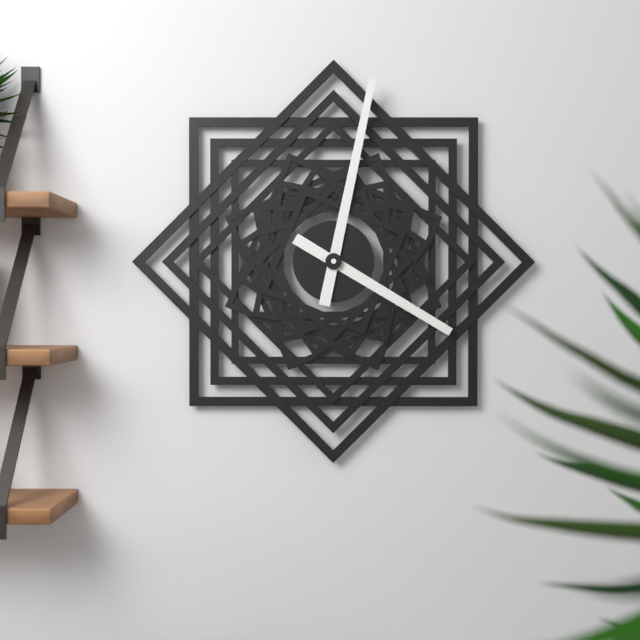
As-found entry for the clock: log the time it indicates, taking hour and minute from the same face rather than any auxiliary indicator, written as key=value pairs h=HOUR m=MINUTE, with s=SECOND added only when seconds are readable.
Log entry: h=4 m=2
